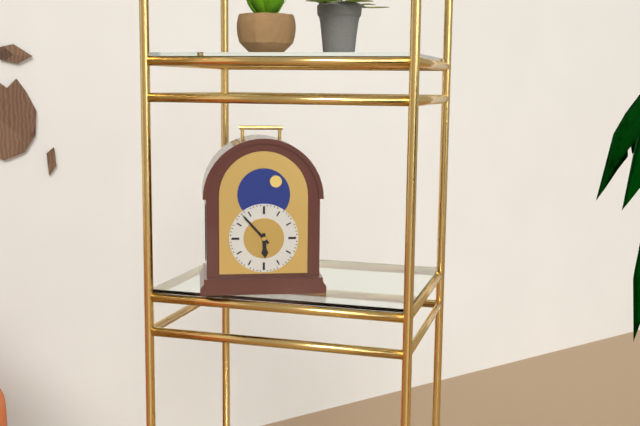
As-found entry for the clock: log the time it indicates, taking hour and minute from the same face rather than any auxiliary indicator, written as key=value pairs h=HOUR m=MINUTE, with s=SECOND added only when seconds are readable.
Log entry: h=5 m=53
